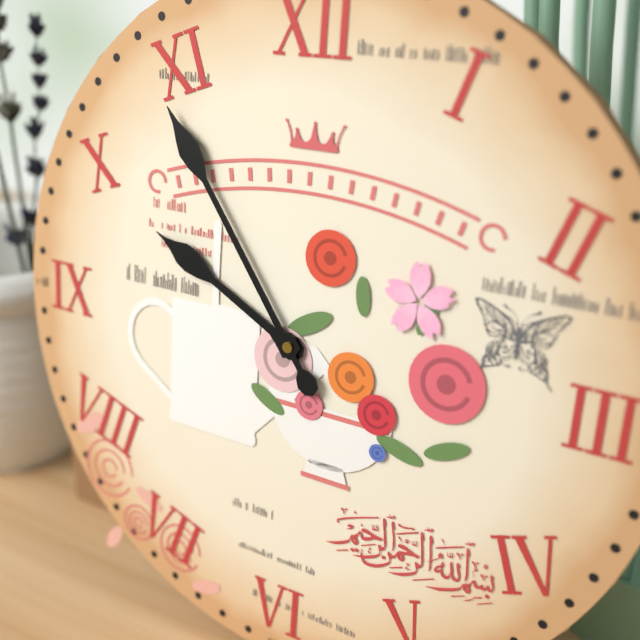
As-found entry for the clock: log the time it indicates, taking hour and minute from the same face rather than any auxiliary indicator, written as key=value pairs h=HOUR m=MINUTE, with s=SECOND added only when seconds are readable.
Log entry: h=9 m=54
